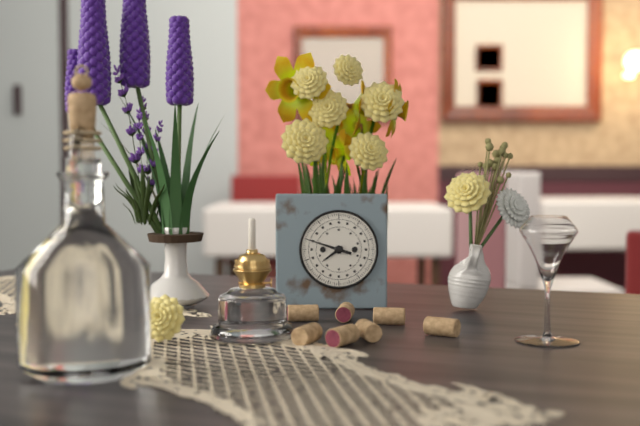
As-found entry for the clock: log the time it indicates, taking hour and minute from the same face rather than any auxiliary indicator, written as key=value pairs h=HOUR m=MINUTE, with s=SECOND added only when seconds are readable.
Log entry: h=7 m=48
